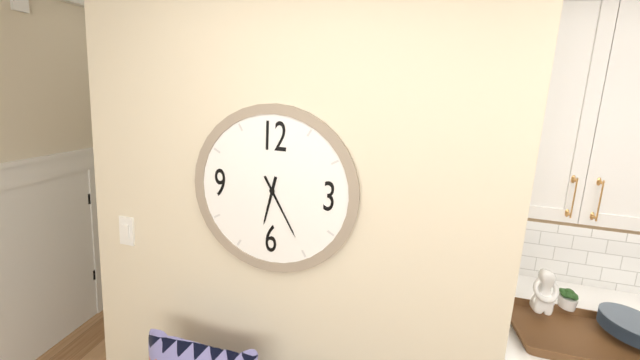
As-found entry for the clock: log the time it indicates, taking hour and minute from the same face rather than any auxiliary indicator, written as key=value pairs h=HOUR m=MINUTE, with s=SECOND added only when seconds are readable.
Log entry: h=6 m=25
